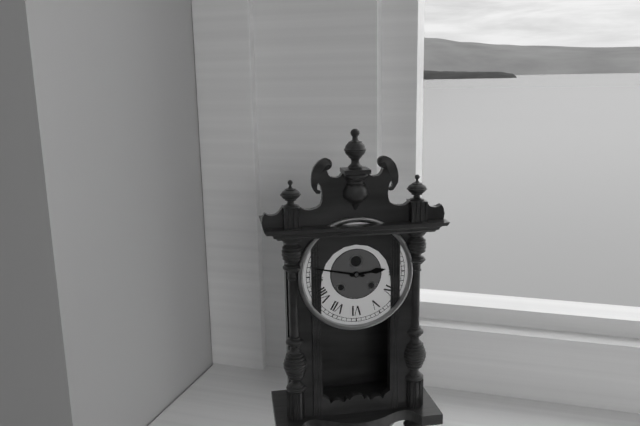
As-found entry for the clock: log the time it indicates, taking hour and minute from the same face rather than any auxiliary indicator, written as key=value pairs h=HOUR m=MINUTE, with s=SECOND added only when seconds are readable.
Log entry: h=2 m=47
